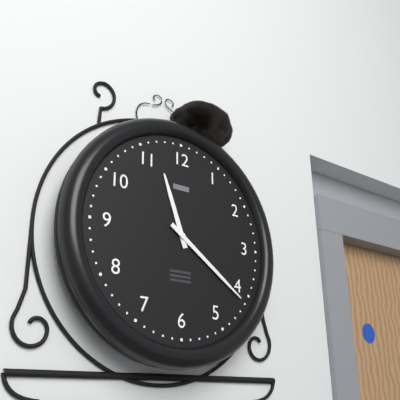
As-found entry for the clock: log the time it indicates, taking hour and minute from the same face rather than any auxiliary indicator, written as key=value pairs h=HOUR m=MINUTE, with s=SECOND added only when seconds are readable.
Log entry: h=11 m=21
